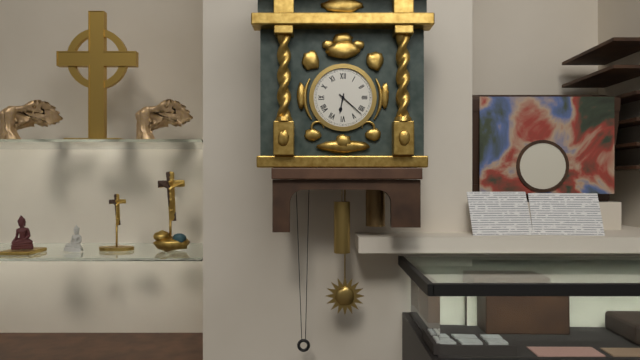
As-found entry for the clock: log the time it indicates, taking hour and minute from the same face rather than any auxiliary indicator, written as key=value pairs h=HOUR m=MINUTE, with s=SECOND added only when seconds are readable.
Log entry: h=6 m=22
